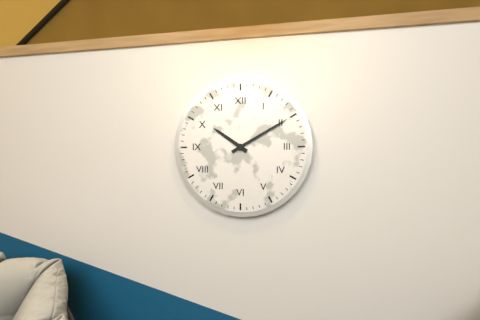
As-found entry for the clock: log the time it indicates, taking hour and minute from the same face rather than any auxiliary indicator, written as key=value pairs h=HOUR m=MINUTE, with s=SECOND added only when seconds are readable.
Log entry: h=10 m=10
